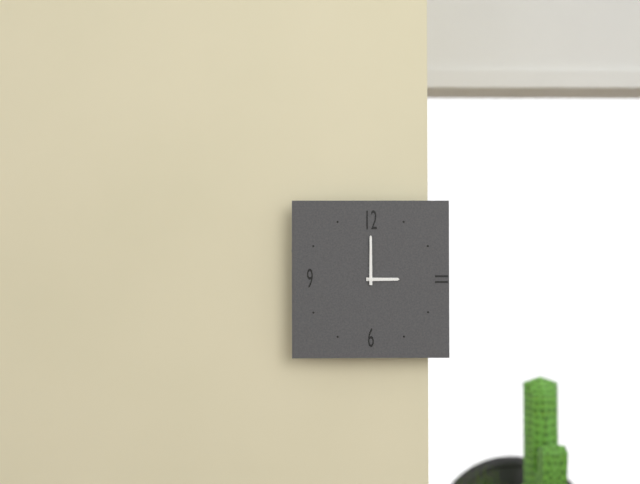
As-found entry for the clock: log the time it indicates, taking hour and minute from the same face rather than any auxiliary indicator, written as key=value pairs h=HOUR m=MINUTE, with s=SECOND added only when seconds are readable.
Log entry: h=3 m=0
